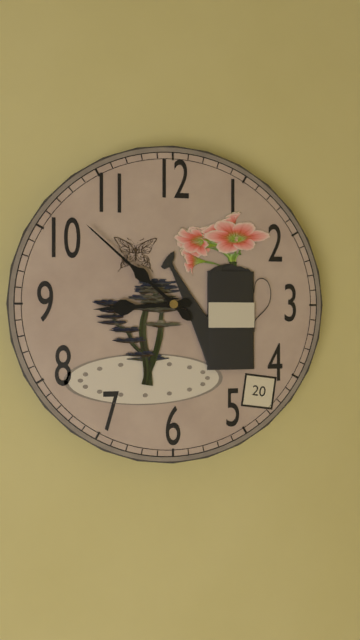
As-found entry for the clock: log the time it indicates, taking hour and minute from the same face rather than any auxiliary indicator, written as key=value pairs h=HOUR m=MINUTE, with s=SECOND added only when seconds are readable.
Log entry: h=8 m=52
